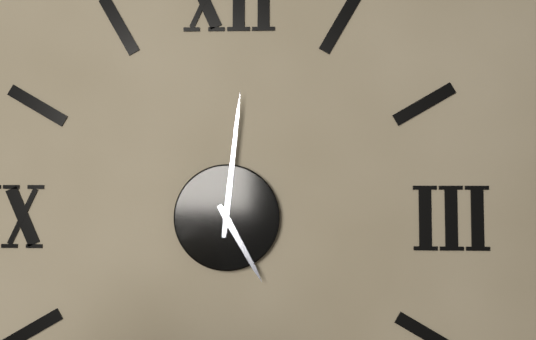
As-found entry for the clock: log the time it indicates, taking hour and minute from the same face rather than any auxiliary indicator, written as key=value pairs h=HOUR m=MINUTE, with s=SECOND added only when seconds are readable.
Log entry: h=5 m=1
